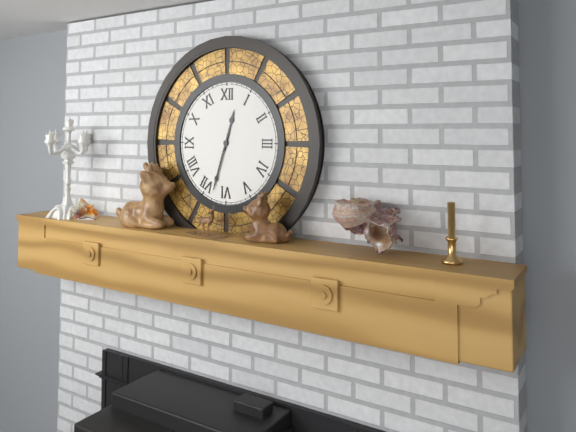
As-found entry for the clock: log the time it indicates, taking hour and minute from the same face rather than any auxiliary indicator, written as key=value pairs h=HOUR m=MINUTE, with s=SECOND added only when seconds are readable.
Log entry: h=12 m=33
